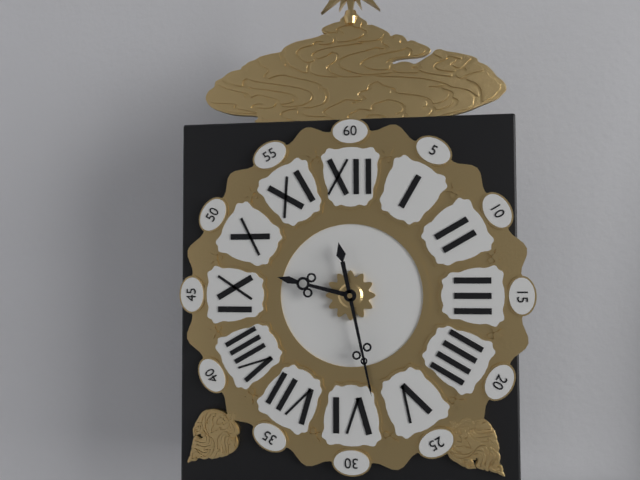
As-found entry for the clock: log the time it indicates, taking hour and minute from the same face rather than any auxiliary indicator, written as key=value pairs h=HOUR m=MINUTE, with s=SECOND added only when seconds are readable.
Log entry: h=9 m=28
